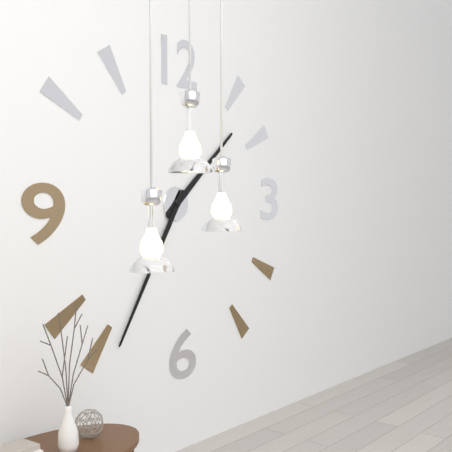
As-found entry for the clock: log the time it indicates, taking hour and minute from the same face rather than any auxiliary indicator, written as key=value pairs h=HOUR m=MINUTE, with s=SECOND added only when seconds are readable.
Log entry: h=1 m=35
